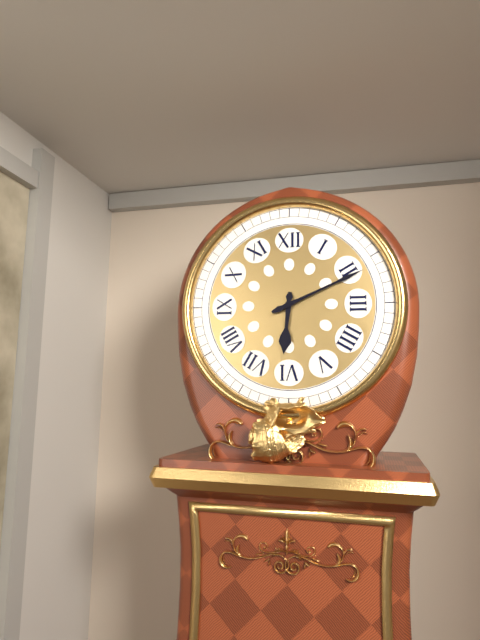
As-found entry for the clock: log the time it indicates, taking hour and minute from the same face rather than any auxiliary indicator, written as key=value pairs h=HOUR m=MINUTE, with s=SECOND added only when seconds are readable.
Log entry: h=6 m=11
